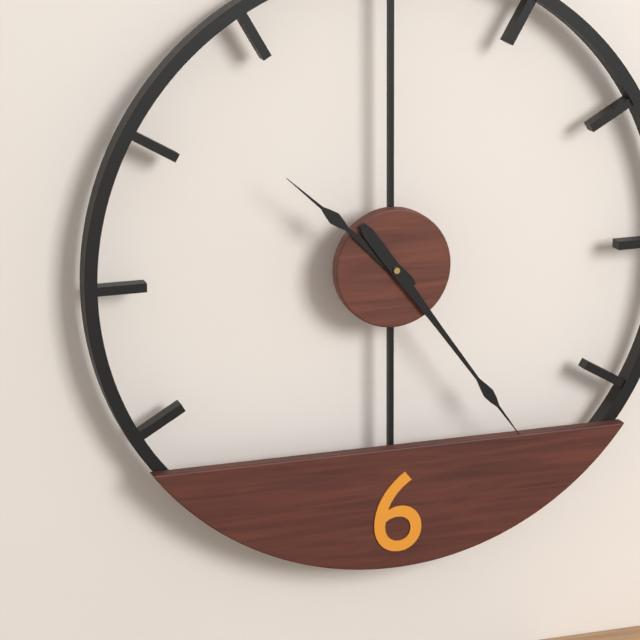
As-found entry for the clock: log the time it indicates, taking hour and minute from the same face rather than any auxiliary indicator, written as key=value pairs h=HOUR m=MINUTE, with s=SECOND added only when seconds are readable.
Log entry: h=10 m=24
